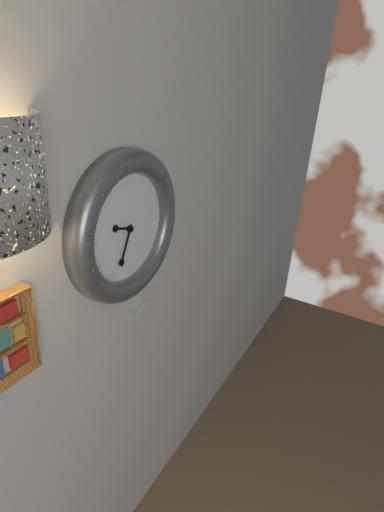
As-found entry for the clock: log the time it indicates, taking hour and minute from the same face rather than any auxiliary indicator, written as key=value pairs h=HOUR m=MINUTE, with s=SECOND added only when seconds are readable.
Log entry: h=9 m=34
